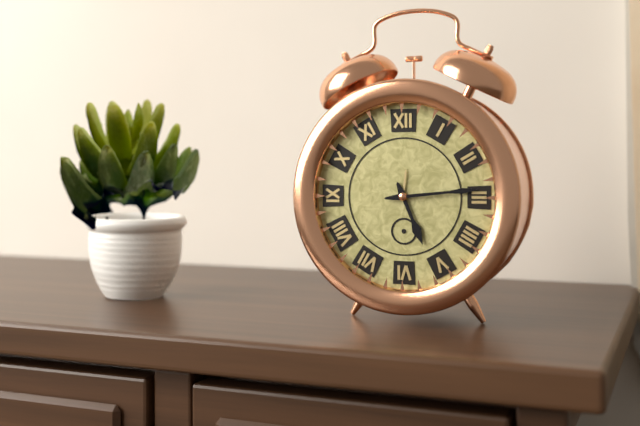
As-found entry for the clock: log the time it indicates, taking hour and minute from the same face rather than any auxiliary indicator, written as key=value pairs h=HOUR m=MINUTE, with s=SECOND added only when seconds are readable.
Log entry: h=5 m=14
